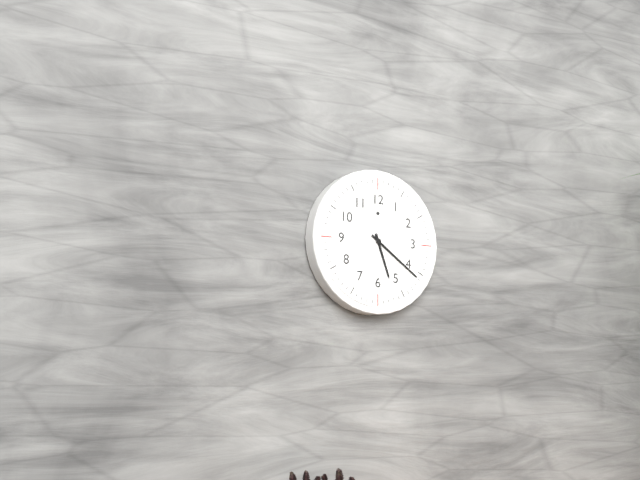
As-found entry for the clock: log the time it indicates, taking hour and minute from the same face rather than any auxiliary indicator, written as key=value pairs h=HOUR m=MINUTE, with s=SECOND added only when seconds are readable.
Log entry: h=5 m=21
